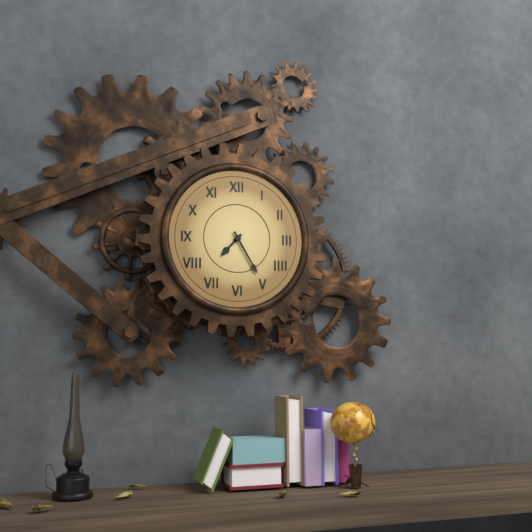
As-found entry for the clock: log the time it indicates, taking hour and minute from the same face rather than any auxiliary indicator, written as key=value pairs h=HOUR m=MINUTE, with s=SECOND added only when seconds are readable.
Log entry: h=7 m=25
